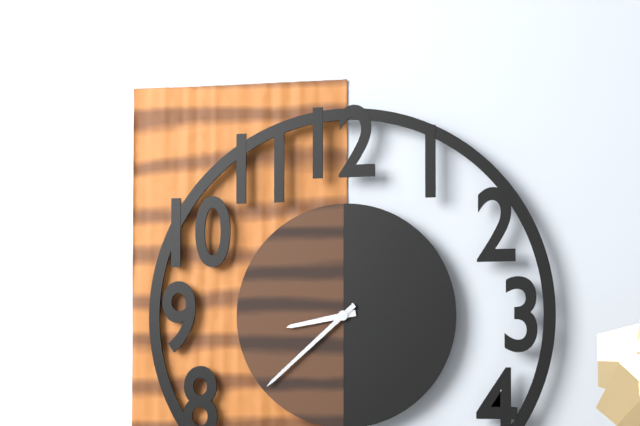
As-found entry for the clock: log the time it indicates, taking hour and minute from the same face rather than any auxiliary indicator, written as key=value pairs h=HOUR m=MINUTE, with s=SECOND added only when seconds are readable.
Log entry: h=8 m=38
